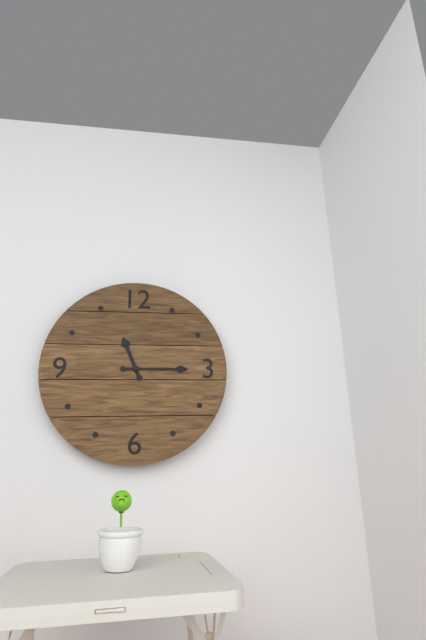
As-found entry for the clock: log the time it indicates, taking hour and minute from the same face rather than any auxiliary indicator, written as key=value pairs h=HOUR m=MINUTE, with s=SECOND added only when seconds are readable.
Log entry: h=11 m=15
